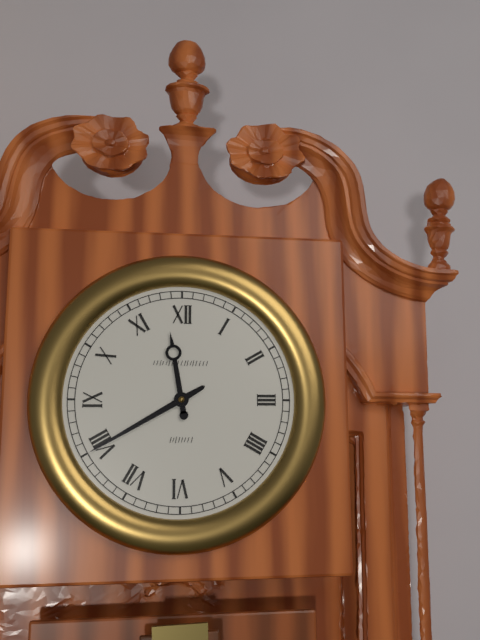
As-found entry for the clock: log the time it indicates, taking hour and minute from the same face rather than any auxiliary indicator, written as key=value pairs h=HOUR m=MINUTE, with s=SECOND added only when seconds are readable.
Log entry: h=11 m=40
